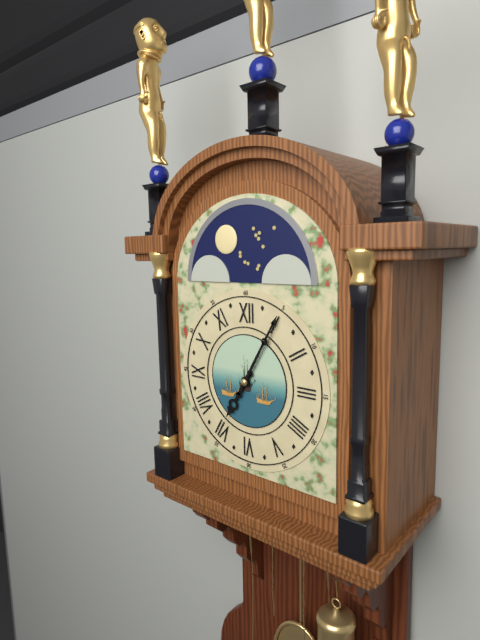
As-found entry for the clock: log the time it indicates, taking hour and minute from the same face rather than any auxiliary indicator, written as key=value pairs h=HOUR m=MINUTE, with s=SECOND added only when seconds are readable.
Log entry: h=7 m=5
